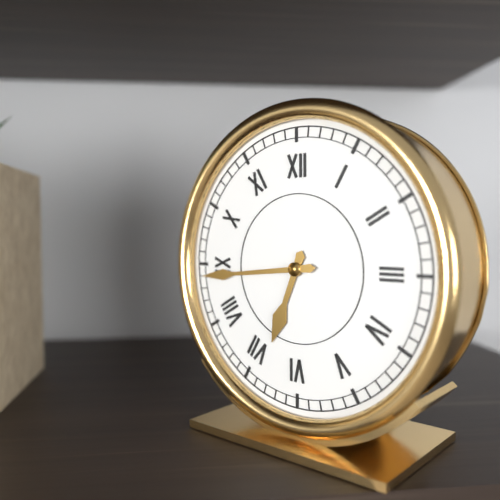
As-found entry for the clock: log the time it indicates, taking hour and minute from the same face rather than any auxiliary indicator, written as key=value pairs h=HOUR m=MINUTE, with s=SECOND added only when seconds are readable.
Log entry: h=6 m=44
